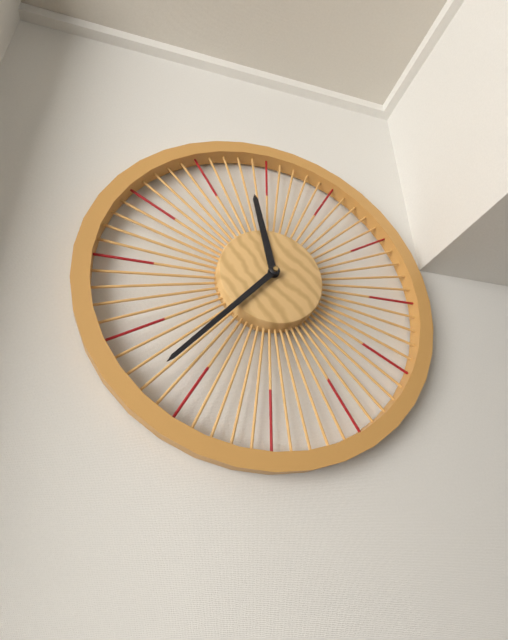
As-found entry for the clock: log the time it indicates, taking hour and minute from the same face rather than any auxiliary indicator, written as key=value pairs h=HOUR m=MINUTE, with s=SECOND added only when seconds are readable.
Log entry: h=11 m=37
